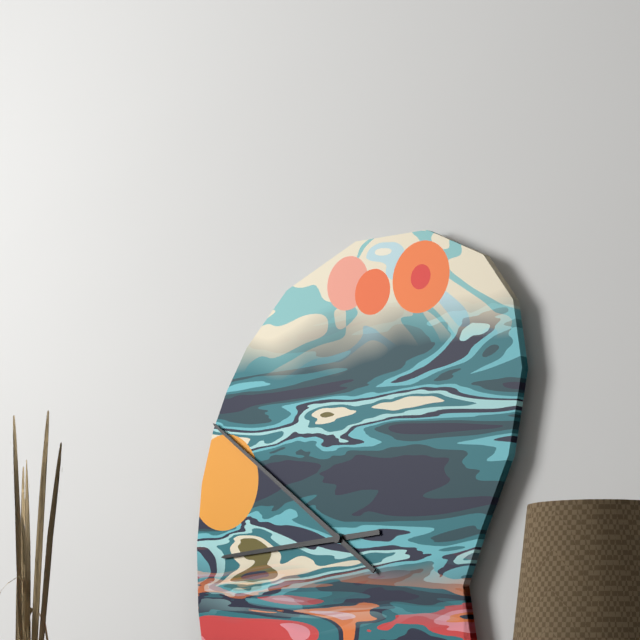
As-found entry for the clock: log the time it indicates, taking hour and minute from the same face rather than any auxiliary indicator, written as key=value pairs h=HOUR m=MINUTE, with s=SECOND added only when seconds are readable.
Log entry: h=8 m=51
